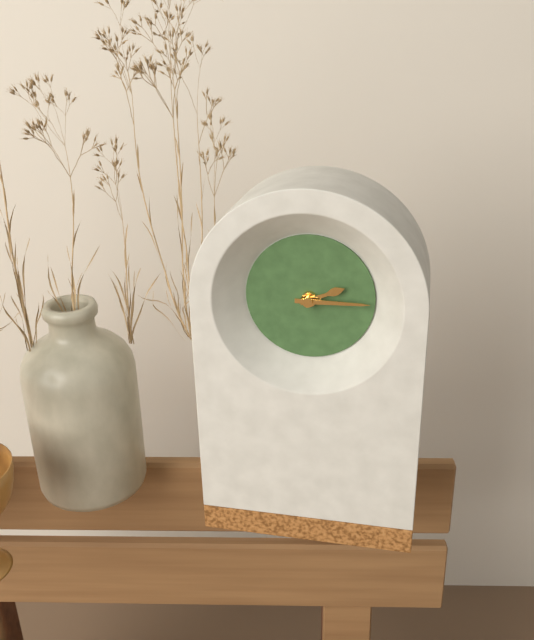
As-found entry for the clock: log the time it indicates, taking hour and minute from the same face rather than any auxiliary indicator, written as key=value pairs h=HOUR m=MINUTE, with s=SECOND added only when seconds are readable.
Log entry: h=2 m=15
